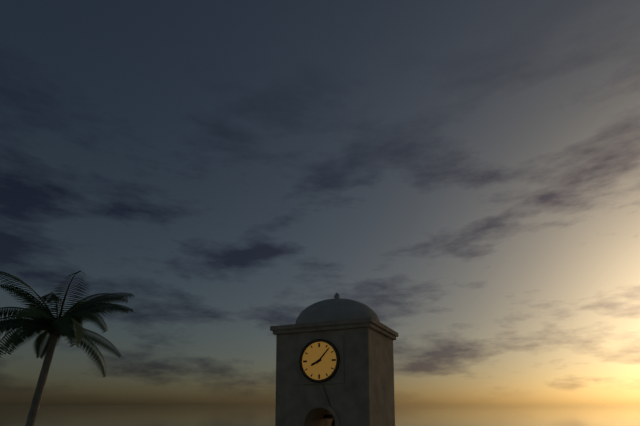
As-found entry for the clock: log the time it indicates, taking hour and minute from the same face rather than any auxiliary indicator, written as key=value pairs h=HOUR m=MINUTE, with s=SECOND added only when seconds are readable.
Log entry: h=8 m=7
